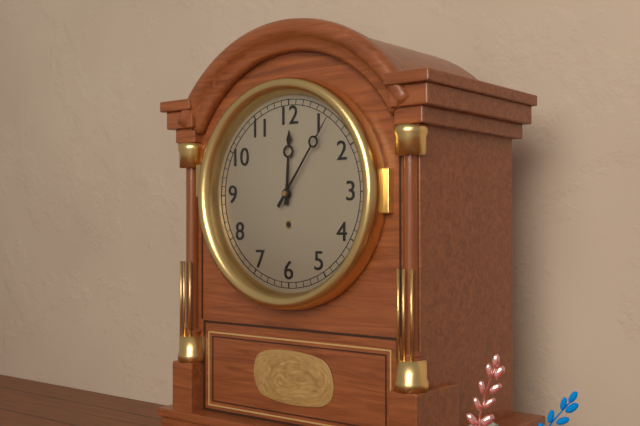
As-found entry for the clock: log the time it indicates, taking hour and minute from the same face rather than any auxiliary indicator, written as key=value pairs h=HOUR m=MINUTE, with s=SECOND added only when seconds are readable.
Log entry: h=12 m=6
